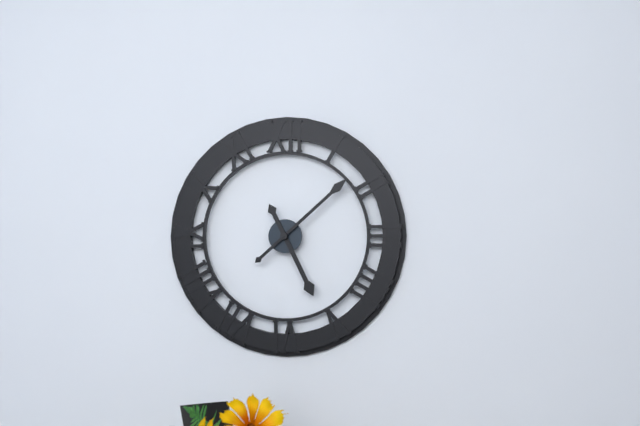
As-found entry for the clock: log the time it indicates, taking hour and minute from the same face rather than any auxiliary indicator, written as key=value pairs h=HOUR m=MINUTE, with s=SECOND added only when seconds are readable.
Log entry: h=5 m=8
